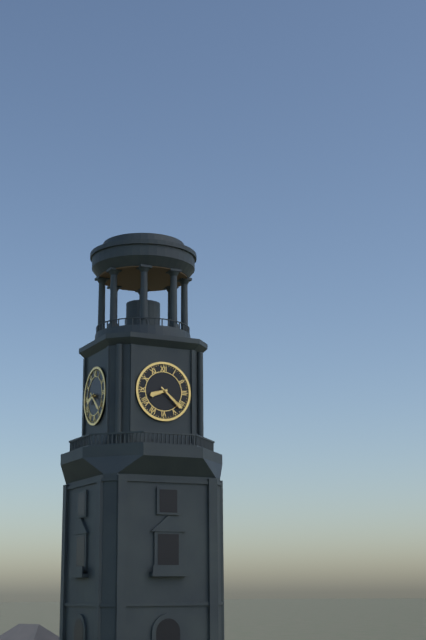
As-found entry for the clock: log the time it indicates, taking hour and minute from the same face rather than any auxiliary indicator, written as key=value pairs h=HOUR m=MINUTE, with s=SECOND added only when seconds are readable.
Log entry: h=8 m=22
